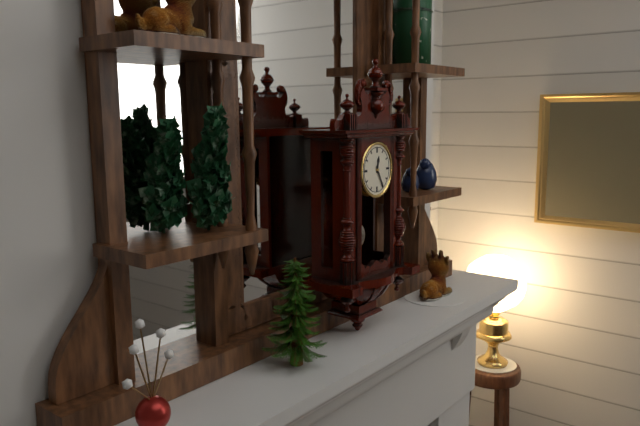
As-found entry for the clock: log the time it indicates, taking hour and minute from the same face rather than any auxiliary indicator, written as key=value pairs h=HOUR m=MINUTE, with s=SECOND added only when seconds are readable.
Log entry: h=12 m=25
